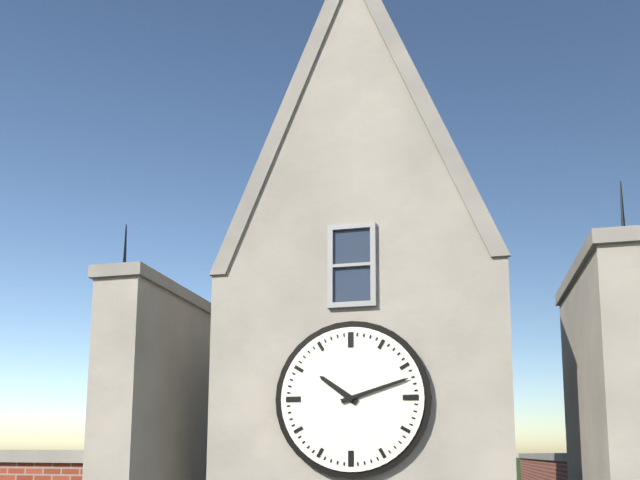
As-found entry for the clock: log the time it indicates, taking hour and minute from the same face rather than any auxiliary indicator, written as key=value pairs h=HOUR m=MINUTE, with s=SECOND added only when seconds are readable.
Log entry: h=10 m=12
